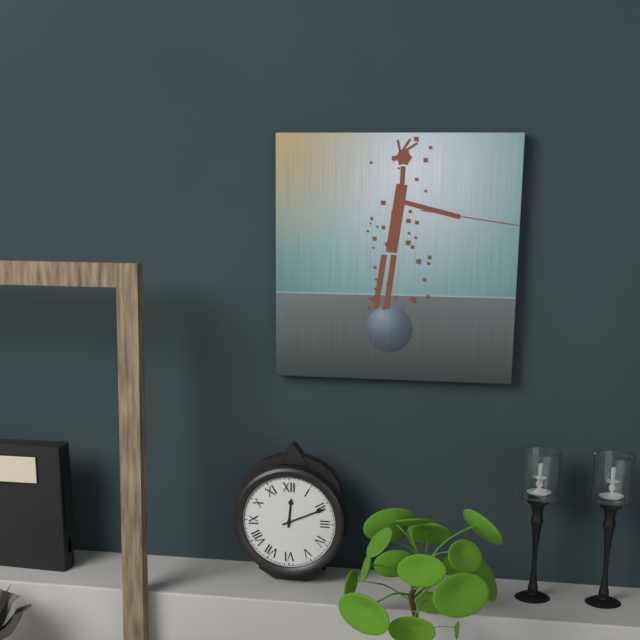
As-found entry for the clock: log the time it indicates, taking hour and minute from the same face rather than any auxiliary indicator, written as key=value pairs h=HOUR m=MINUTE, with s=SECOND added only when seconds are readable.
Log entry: h=12 m=11
